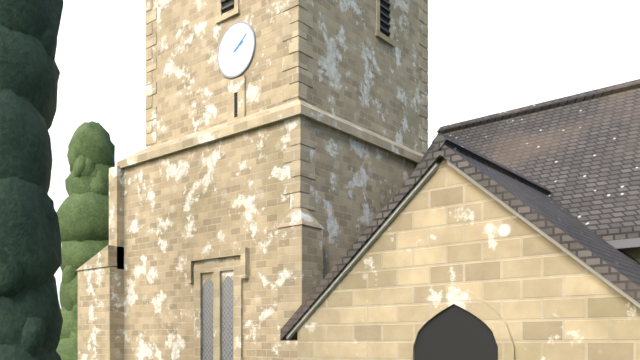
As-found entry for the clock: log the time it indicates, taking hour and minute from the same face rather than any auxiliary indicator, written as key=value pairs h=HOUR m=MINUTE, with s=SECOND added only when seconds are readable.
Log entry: h=2 m=9
